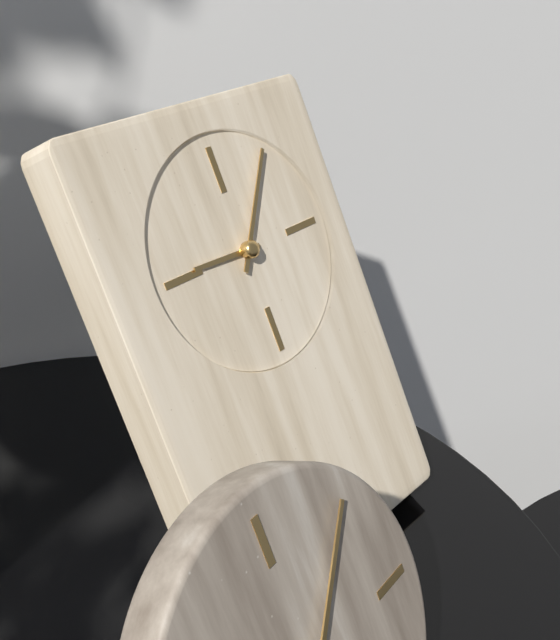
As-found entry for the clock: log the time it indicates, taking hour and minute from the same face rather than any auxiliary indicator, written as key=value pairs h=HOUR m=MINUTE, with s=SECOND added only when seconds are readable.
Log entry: h=9 m=6
